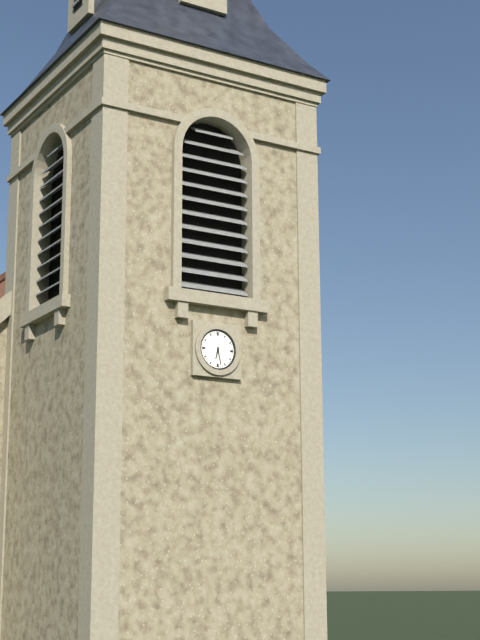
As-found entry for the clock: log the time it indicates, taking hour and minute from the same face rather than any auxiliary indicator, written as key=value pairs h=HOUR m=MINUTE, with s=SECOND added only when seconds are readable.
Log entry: h=6 m=28
